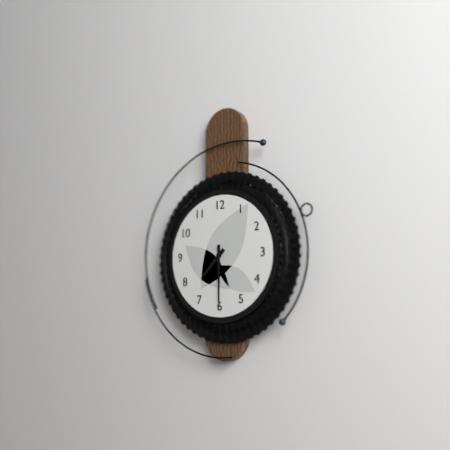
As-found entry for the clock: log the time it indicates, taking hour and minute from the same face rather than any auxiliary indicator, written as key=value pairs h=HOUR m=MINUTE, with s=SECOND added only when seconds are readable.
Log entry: h=7 m=30
